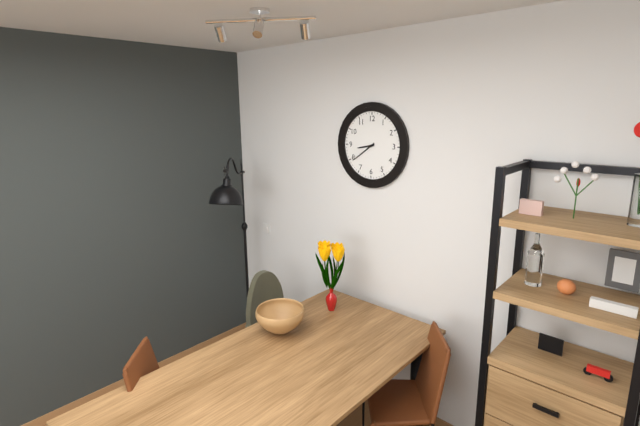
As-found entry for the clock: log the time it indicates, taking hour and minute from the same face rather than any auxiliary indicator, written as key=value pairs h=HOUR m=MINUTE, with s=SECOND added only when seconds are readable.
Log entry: h=8 m=39
